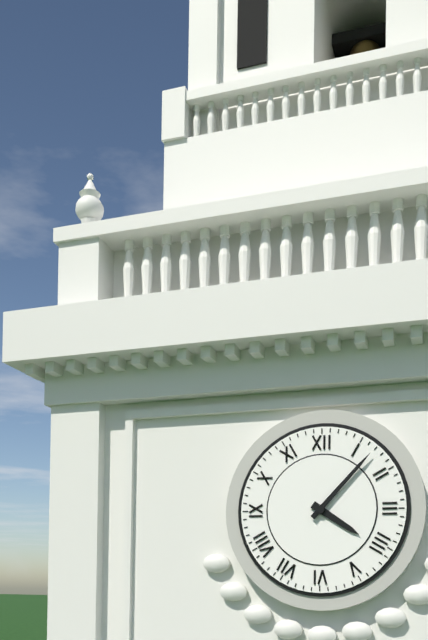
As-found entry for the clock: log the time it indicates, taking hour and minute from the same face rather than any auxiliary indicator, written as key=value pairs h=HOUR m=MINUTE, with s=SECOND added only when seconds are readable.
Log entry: h=4 m=7
